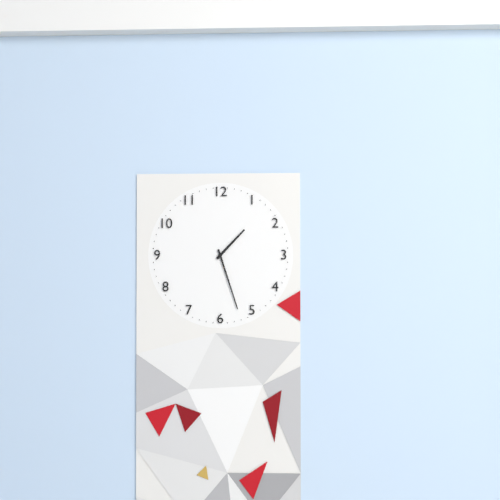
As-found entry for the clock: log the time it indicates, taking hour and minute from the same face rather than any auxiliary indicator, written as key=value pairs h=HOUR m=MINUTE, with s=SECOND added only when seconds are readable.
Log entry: h=1 m=27
